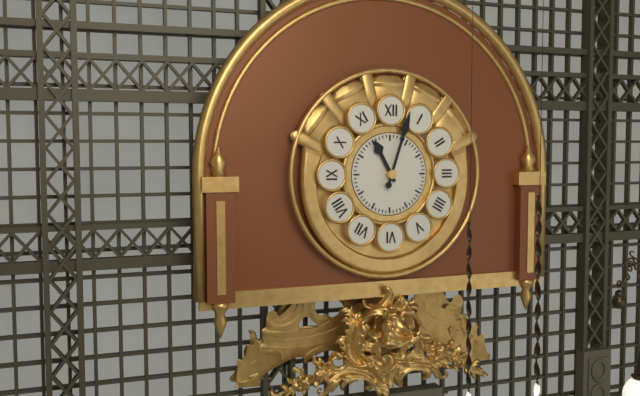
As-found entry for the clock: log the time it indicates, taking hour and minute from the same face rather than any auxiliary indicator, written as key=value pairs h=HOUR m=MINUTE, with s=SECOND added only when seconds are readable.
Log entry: h=11 m=3
